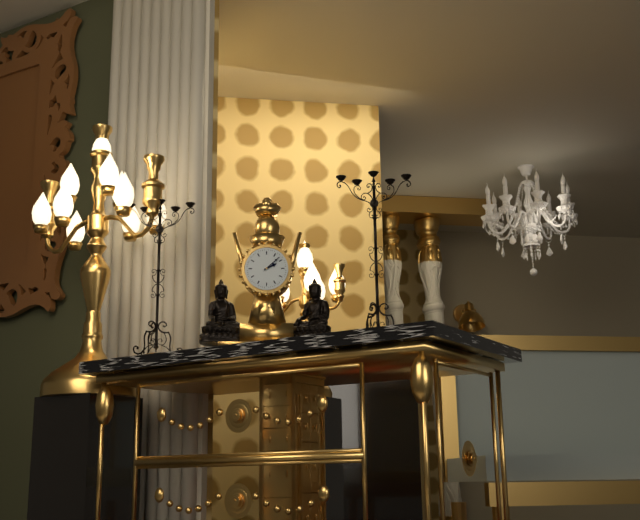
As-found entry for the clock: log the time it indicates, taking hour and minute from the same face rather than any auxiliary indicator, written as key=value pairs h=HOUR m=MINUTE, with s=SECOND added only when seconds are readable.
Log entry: h=2 m=8
